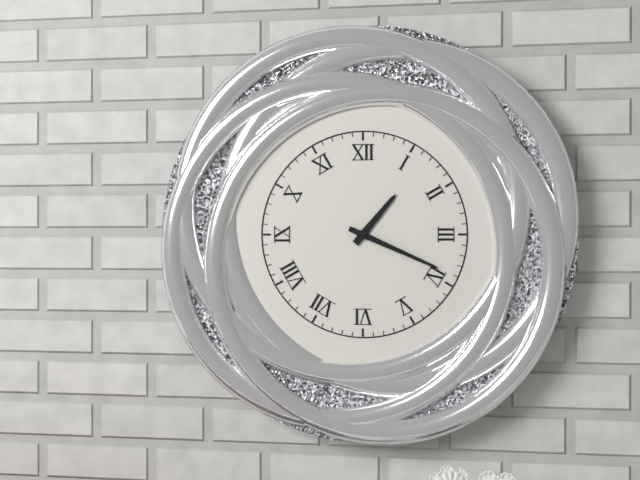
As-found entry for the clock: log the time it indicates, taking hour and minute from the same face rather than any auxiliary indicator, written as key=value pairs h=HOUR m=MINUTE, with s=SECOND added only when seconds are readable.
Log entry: h=1 m=19
